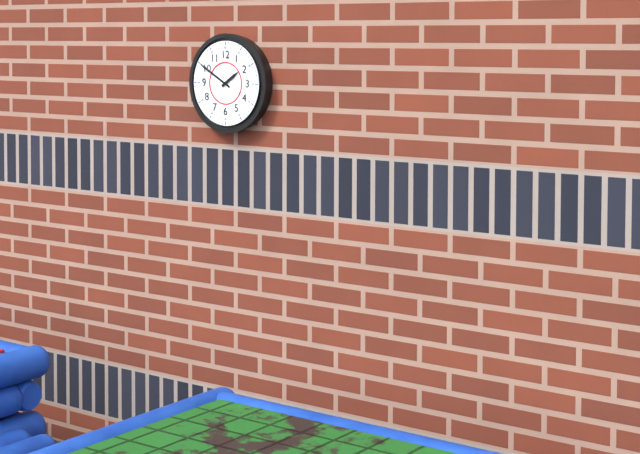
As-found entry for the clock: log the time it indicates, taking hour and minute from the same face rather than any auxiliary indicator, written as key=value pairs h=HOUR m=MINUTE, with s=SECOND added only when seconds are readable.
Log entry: h=1 m=50
